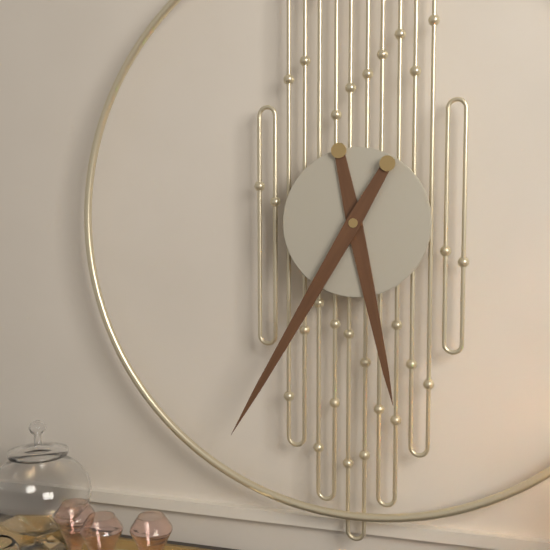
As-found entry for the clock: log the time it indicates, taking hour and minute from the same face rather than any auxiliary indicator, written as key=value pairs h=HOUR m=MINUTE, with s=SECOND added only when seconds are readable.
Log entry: h=5 m=35
